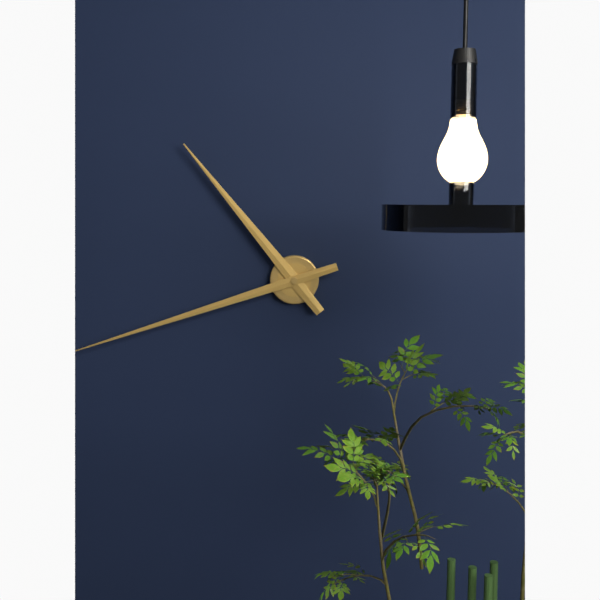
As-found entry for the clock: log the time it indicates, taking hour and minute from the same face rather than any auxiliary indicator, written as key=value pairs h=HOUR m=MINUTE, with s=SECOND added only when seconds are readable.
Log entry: h=10 m=42
